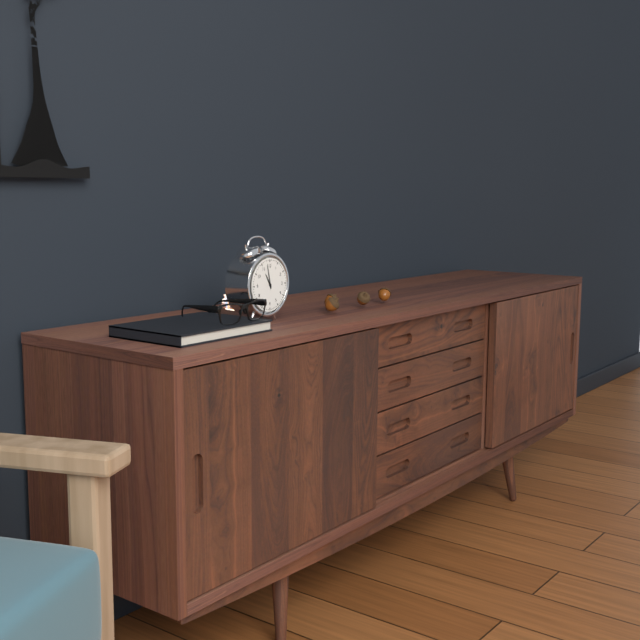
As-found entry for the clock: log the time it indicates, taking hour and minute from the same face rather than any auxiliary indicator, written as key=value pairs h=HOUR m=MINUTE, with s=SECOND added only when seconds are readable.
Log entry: h=10 m=58
